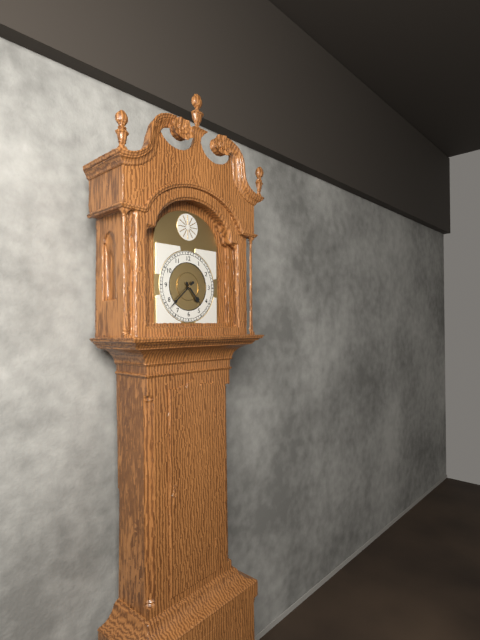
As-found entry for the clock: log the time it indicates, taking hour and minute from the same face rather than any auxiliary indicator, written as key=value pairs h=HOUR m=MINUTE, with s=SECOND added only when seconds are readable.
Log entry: h=4 m=38
